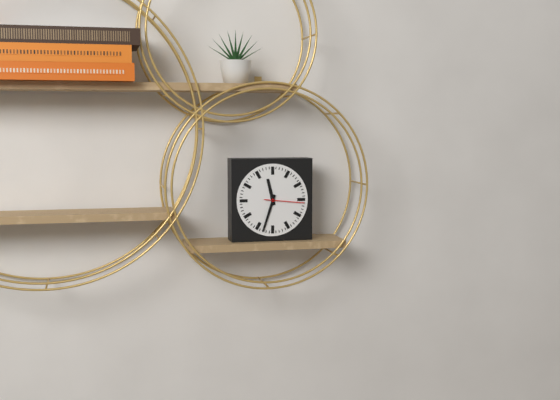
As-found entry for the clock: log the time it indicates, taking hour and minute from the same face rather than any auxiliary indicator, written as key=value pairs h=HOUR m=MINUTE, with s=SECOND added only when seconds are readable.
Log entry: h=11 m=33
